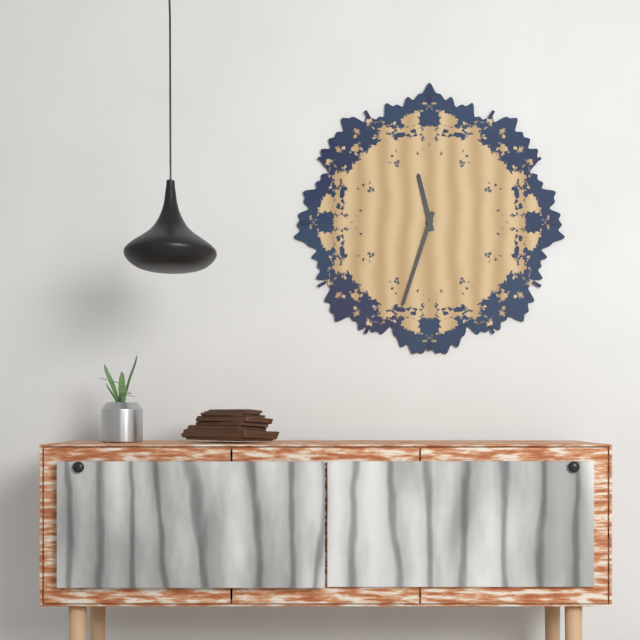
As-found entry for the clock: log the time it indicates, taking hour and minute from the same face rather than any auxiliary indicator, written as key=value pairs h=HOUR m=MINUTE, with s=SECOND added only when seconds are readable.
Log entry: h=11 m=33
